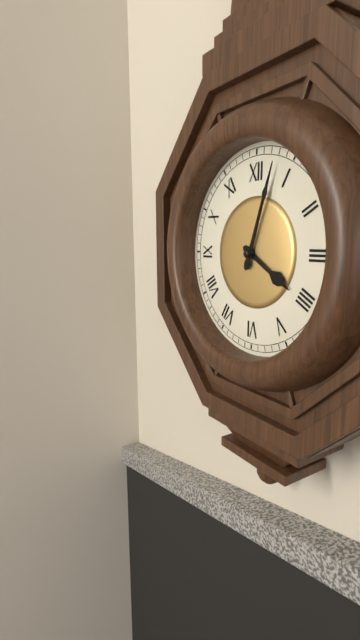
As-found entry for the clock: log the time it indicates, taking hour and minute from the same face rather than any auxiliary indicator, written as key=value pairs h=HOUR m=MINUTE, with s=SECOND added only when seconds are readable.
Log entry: h=4 m=3
